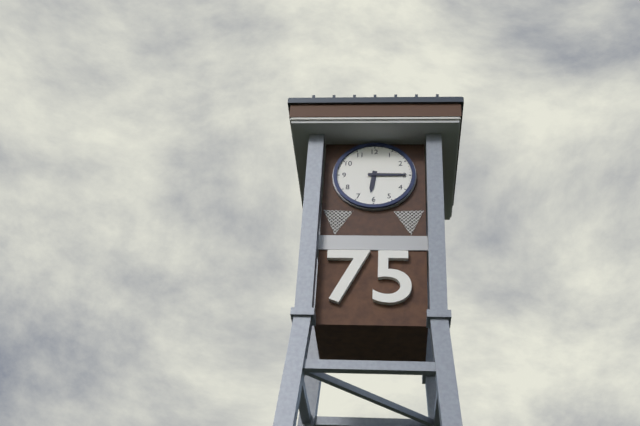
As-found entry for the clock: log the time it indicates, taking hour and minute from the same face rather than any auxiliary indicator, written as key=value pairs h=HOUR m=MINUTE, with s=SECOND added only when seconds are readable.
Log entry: h=6 m=15
